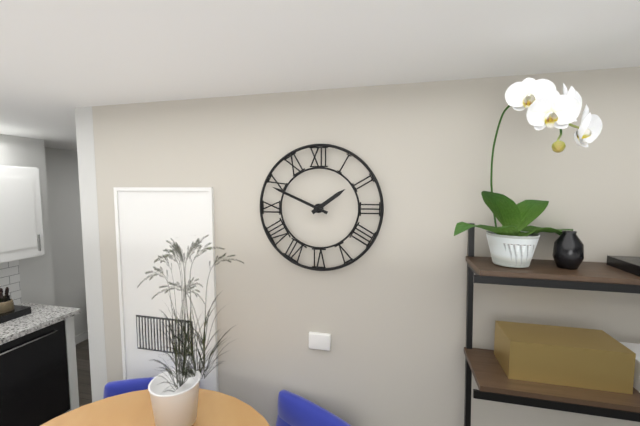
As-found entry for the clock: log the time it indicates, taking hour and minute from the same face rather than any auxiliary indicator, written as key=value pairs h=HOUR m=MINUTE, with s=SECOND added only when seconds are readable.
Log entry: h=1 m=49
